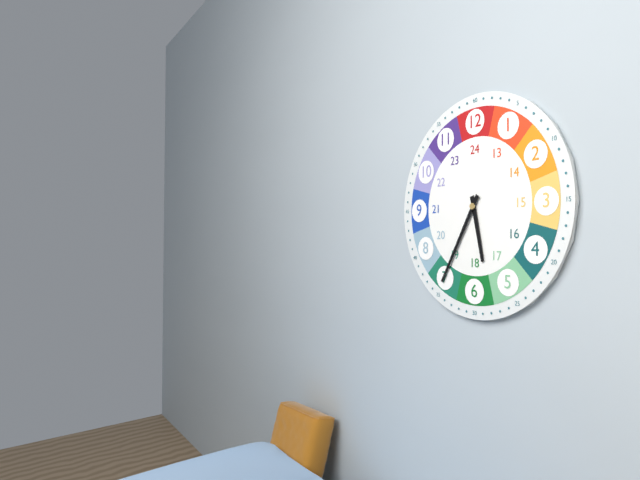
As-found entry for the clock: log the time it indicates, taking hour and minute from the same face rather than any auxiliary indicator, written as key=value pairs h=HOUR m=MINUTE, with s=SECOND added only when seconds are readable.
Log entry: h=5 m=35
